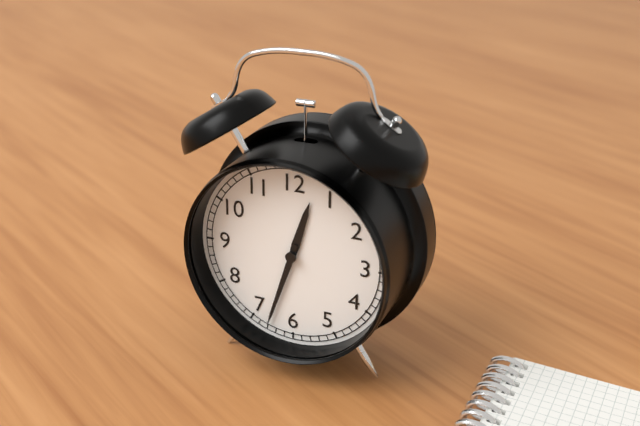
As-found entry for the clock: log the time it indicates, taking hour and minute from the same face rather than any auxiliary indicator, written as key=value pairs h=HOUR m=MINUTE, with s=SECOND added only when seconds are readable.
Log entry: h=12 m=33
